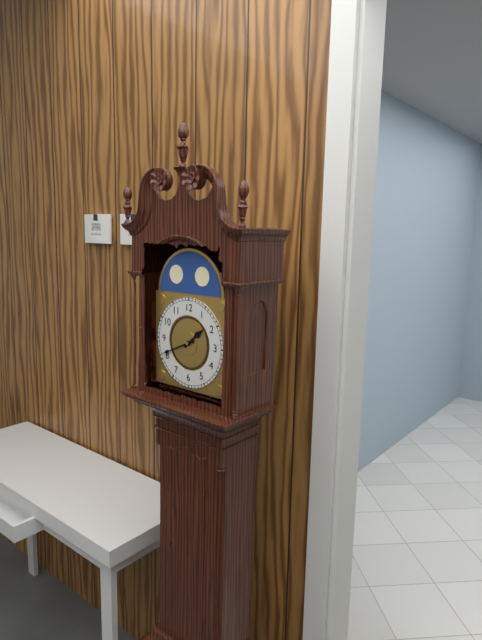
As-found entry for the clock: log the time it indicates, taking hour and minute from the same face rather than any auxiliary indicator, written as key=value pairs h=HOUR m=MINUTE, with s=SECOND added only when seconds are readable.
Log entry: h=1 m=41
